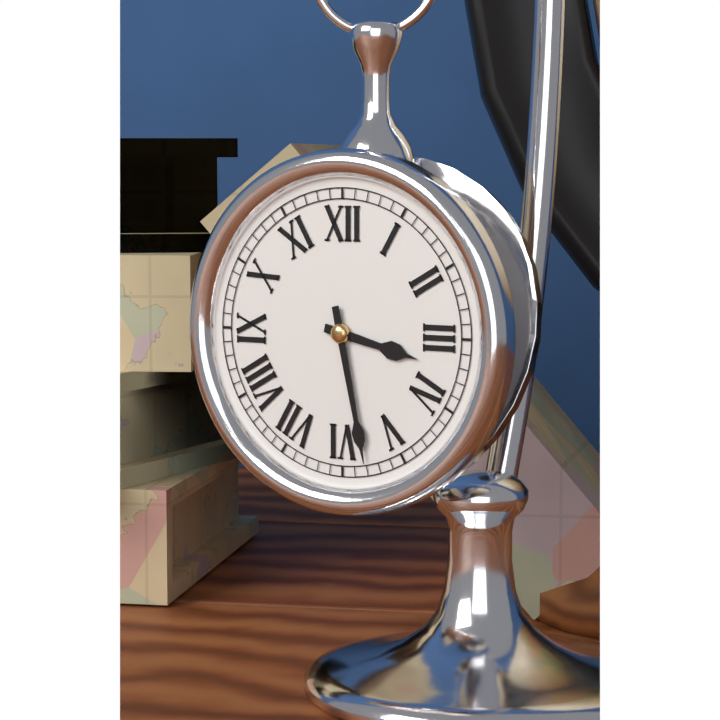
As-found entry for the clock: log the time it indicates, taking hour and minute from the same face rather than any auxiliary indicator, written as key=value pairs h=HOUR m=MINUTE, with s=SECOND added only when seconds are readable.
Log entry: h=3 m=28
